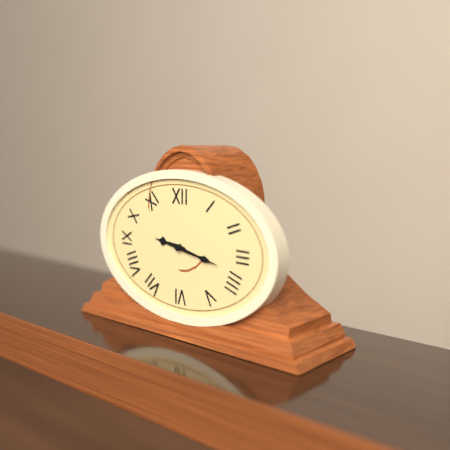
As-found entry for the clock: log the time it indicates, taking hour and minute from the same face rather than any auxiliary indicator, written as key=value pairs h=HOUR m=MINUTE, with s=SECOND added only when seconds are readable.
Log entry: h=9 m=17
